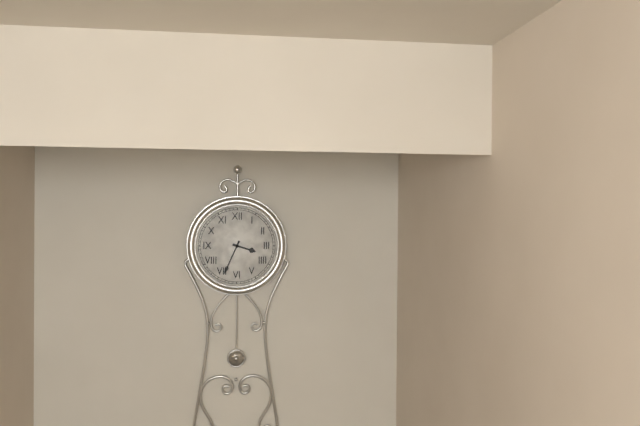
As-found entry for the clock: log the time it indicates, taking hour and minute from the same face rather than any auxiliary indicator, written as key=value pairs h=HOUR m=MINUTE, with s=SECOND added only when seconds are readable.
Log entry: h=3 m=34
